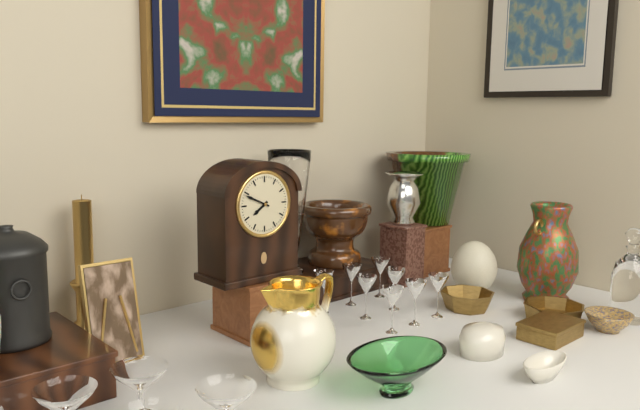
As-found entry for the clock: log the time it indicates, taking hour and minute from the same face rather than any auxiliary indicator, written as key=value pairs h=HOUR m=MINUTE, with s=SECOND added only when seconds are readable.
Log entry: h=7 m=49
